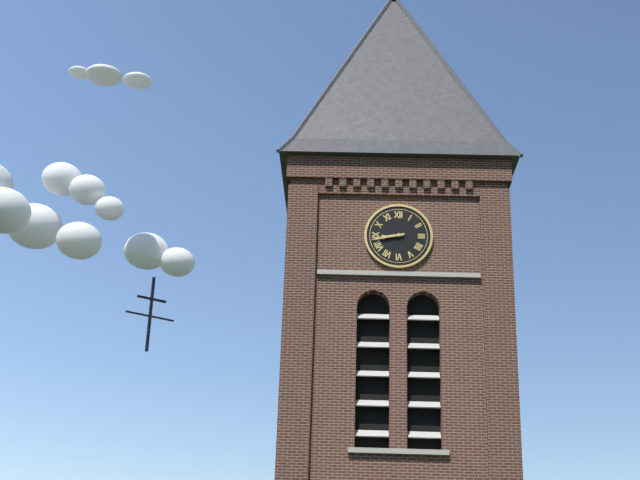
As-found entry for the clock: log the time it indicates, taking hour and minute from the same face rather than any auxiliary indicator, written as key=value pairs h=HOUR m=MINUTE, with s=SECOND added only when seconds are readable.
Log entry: h=8 m=43
